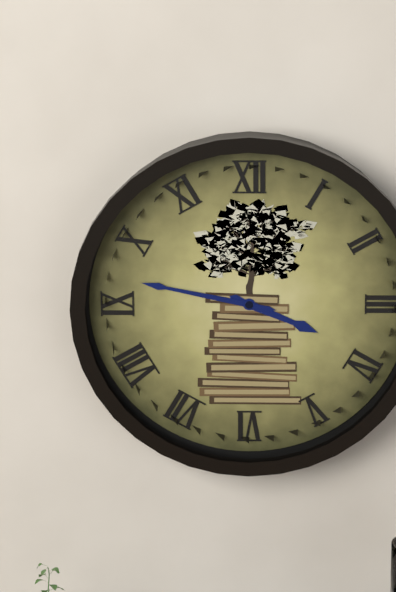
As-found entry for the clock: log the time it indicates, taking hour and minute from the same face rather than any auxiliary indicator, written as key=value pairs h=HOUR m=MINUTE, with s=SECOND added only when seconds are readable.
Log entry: h=3 m=47
